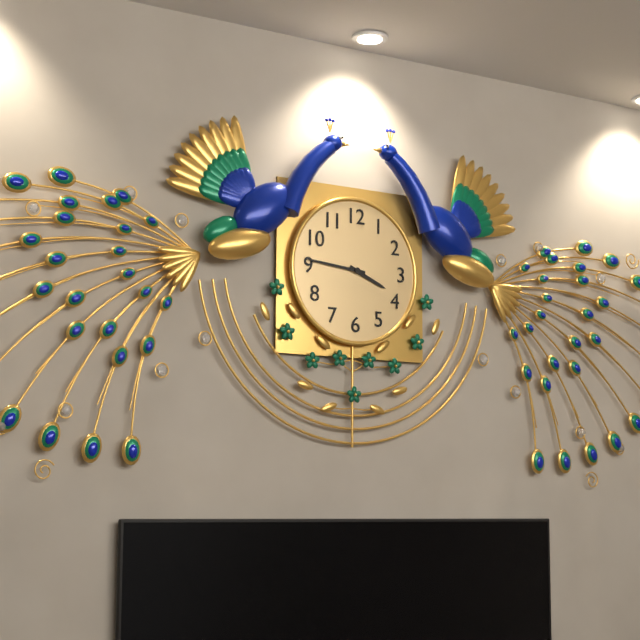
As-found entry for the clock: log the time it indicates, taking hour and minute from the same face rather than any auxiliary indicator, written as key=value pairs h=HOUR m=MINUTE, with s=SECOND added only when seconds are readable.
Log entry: h=3 m=46
